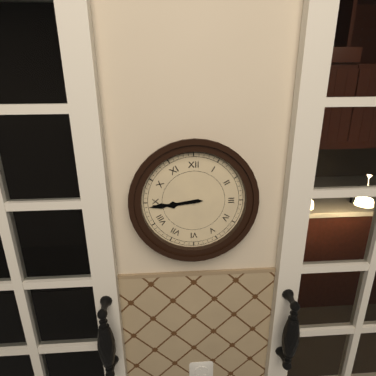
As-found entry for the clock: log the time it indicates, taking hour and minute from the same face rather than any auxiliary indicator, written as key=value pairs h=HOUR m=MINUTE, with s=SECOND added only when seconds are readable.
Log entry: h=8 m=44
